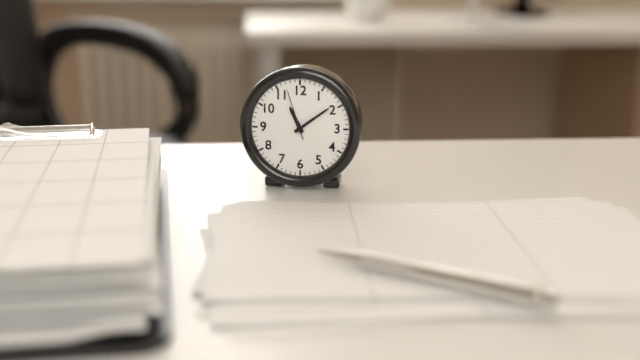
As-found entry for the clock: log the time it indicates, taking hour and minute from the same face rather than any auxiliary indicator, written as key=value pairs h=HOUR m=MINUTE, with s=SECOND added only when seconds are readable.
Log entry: h=11 m=9
